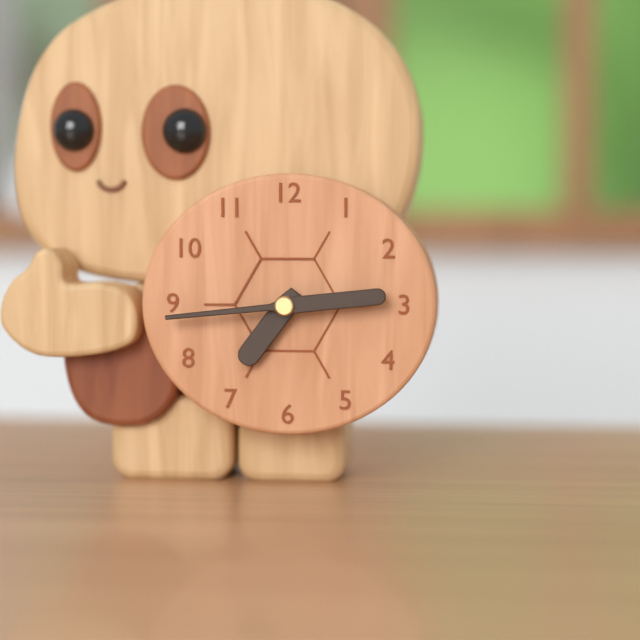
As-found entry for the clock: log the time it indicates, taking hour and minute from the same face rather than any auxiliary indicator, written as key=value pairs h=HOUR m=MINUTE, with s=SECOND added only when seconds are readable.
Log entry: h=7 m=14
